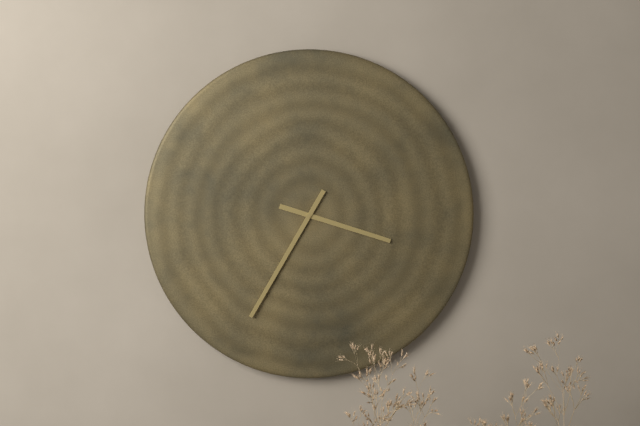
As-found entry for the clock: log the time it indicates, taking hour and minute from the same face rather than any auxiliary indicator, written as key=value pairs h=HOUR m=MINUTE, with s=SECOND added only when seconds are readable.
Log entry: h=3 m=35
